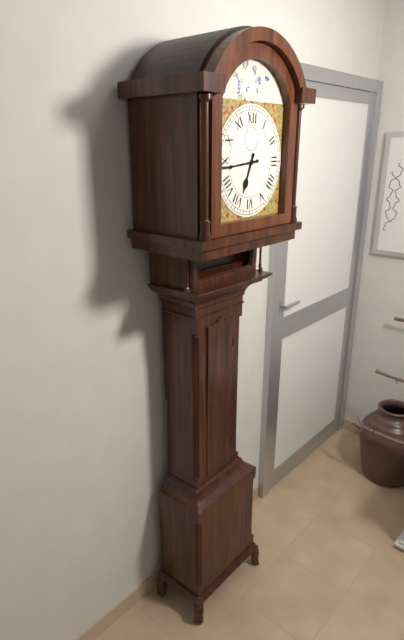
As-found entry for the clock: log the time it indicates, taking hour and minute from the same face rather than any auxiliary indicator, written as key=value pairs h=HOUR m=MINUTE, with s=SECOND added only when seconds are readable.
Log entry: h=6 m=44
